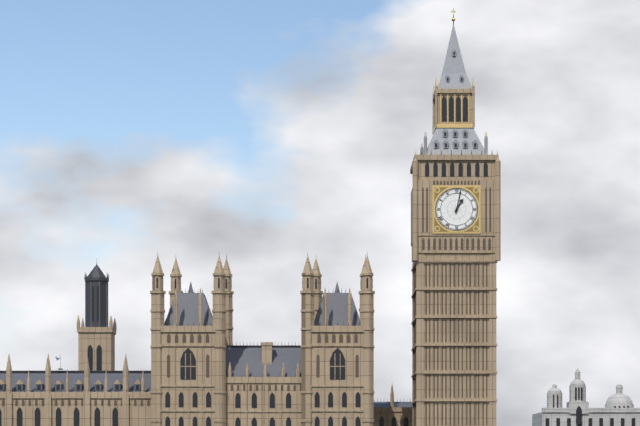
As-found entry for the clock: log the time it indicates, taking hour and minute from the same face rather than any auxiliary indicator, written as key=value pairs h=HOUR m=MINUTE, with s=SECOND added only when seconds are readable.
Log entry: h=1 m=2
